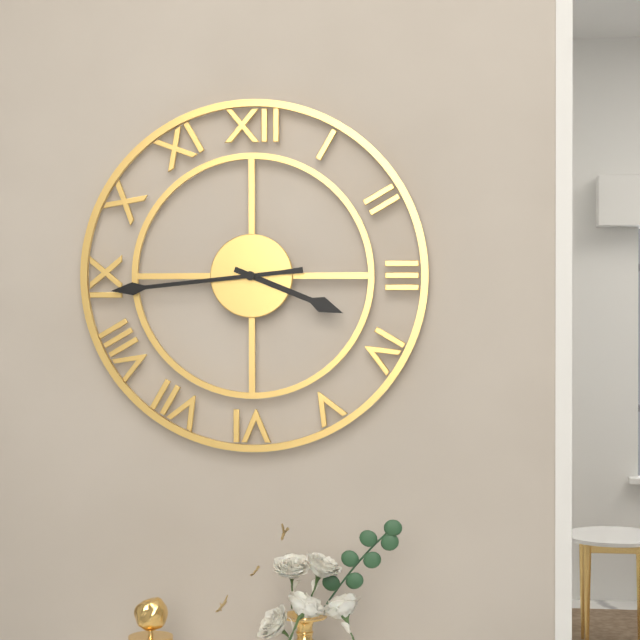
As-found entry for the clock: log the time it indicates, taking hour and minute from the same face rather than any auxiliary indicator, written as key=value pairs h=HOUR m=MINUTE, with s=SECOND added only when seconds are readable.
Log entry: h=3 m=44
